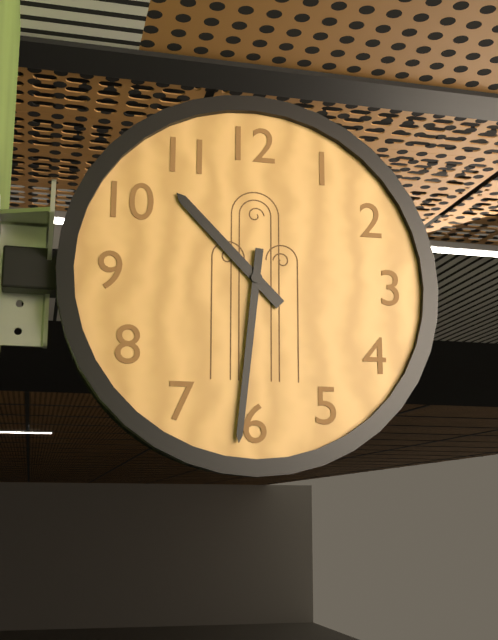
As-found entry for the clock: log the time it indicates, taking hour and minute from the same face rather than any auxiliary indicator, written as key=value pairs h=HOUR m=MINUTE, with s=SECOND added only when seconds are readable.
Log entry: h=10 m=31
